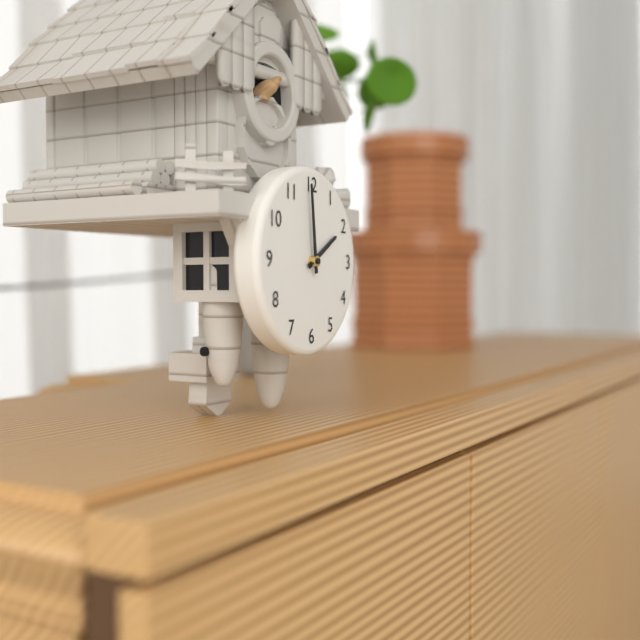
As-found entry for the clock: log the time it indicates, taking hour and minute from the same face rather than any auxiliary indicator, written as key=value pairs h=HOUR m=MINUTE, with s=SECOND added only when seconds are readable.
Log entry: h=1 m=59
